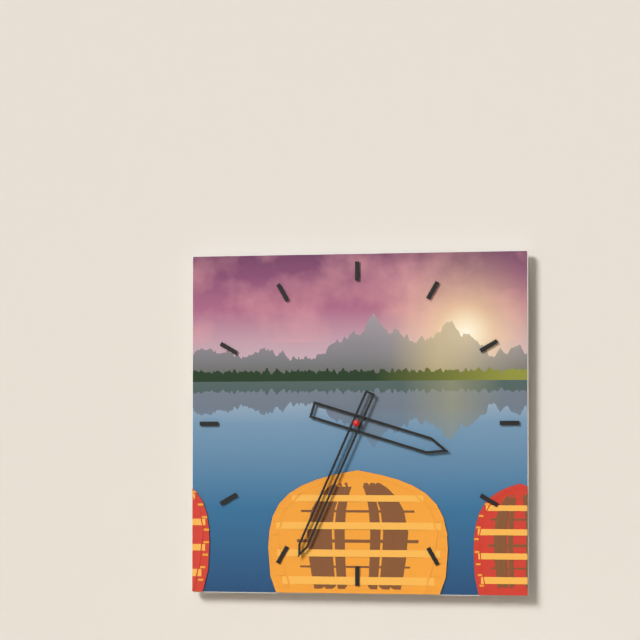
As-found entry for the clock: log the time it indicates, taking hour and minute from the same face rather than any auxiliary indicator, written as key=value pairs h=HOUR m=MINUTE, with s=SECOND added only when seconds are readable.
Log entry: h=3 m=34
